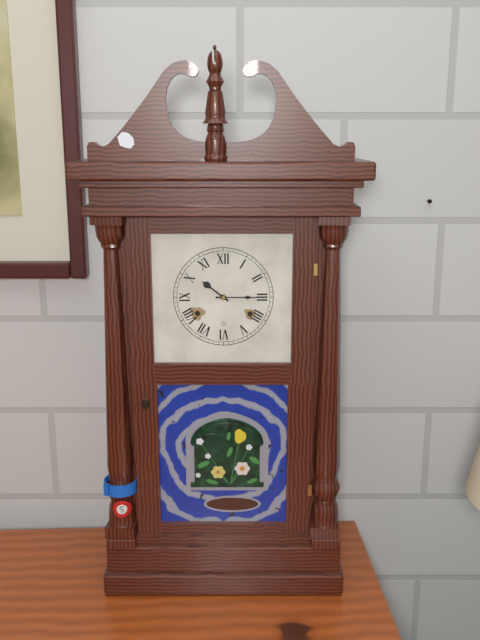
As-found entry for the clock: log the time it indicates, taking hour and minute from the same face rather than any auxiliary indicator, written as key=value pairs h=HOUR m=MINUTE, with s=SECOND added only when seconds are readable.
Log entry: h=10 m=15
